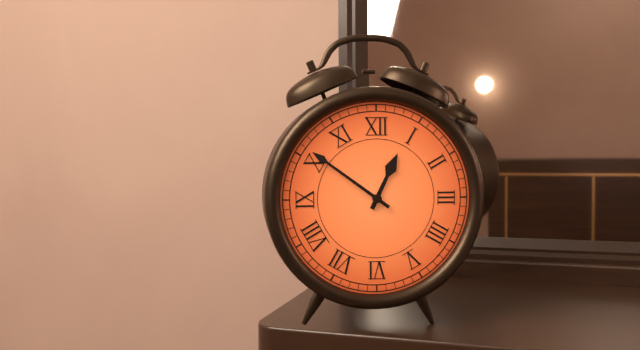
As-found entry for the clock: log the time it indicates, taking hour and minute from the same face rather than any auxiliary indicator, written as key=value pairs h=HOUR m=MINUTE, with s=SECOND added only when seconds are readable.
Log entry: h=12 m=51
